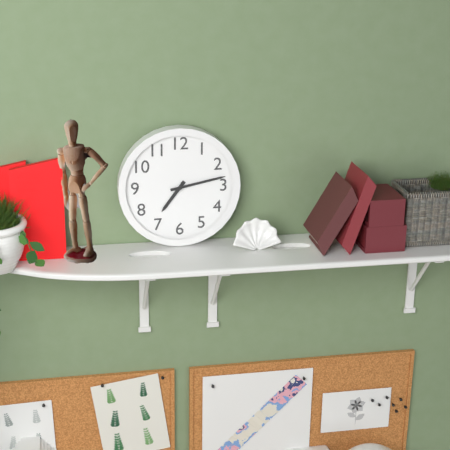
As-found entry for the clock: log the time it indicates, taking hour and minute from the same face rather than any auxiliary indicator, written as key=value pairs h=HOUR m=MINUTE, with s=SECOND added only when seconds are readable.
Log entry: h=7 m=13
